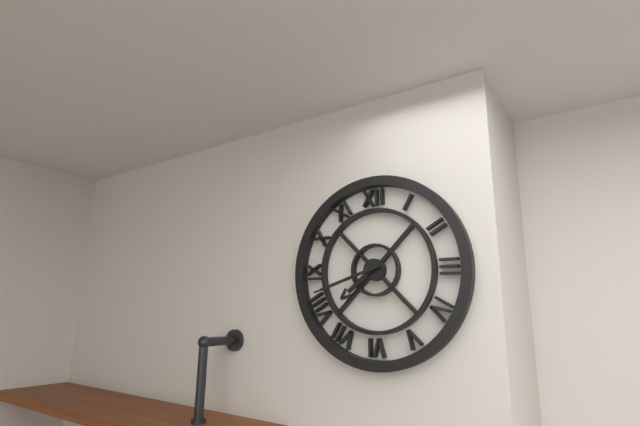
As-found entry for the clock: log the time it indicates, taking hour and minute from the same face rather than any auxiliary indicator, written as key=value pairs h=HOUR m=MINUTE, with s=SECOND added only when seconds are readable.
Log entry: h=7 m=42
